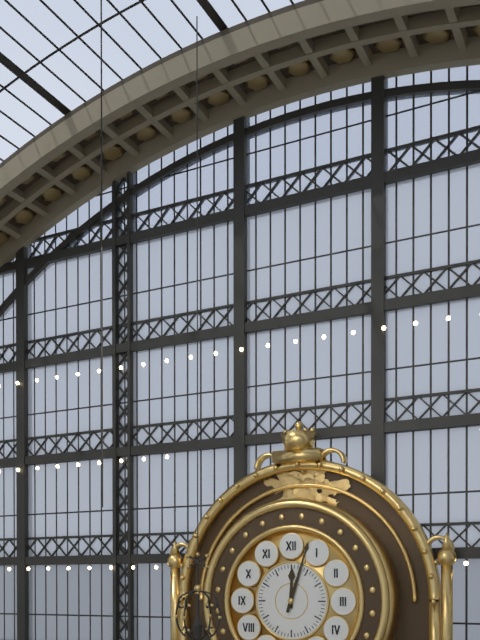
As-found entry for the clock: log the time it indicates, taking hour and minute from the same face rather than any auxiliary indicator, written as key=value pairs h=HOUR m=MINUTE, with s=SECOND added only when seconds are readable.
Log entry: h=12 m=3
